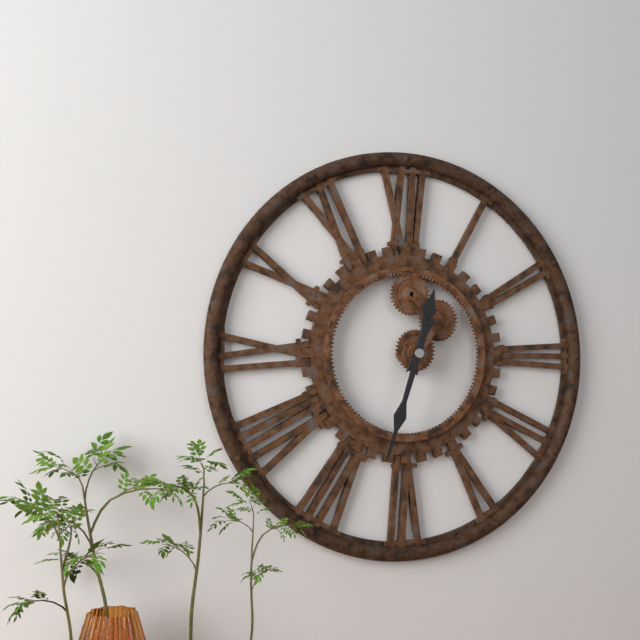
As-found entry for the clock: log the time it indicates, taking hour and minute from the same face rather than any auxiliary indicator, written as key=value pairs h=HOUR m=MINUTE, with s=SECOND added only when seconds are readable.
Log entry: h=12 m=33
